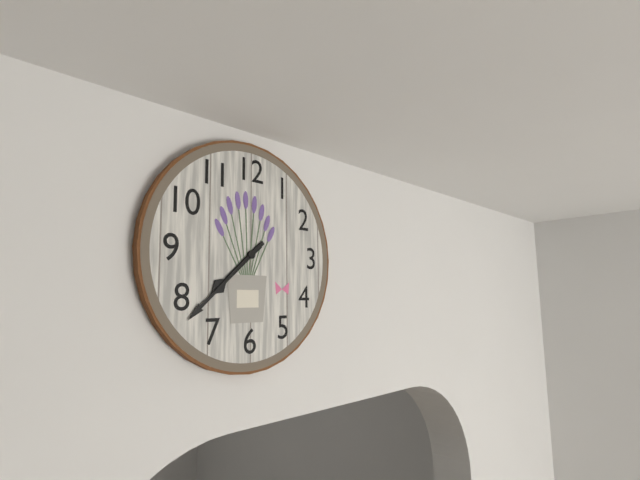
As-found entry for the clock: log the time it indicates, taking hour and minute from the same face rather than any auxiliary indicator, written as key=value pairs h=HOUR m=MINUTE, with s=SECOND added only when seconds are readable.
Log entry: h=7 m=38
